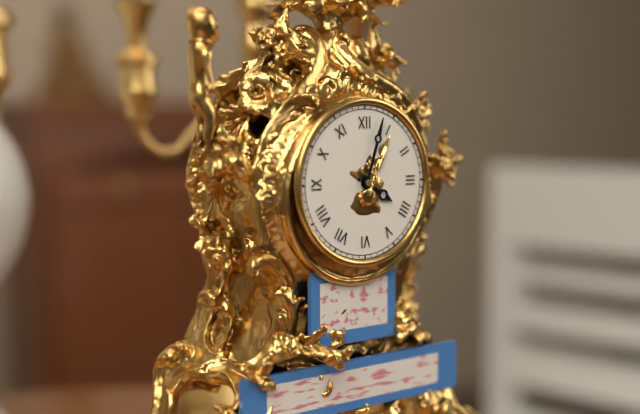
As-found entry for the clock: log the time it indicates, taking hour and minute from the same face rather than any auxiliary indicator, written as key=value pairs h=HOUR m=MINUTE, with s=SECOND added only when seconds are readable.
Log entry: h=4 m=3
